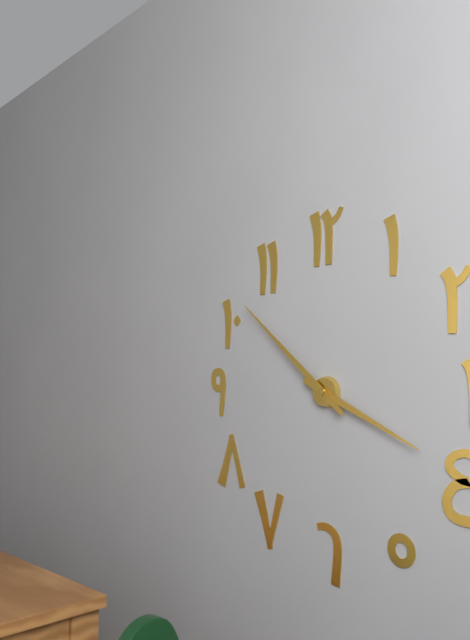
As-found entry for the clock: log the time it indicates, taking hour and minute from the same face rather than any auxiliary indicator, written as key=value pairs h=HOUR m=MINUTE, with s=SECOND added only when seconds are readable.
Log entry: h=3 m=52
